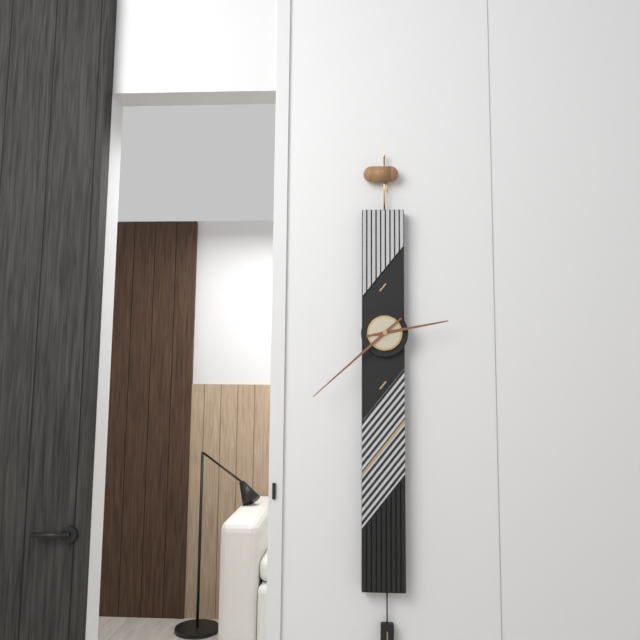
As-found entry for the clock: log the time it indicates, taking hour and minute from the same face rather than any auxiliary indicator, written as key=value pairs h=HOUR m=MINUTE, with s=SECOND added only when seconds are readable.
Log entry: h=2 m=38
